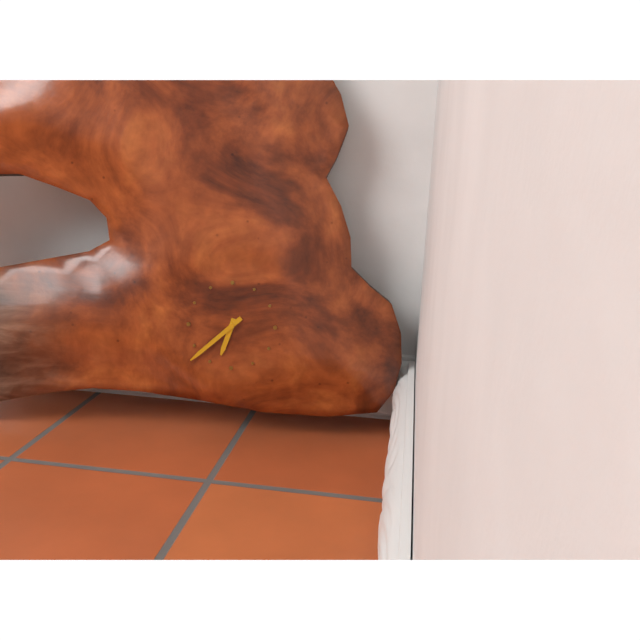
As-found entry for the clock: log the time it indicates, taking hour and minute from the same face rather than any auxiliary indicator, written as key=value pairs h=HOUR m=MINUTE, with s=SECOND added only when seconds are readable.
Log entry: h=6 m=38
